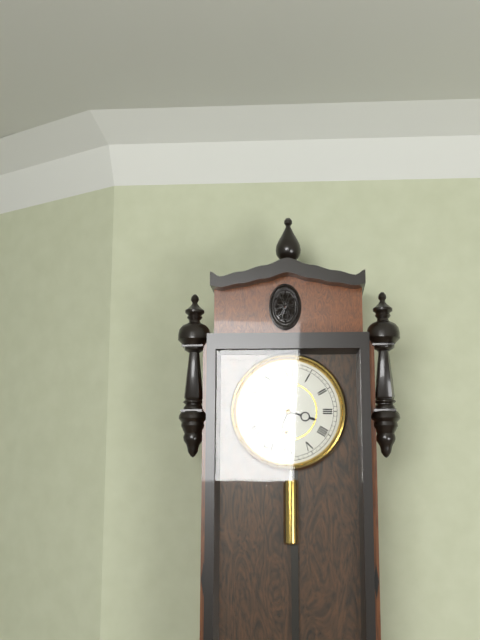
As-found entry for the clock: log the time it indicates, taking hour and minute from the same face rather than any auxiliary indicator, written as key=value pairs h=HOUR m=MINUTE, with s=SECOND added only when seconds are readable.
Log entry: h=3 m=34
